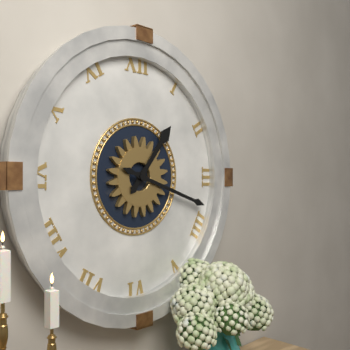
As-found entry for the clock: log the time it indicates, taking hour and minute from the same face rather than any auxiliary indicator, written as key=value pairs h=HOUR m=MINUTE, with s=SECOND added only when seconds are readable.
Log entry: h=1 m=18
